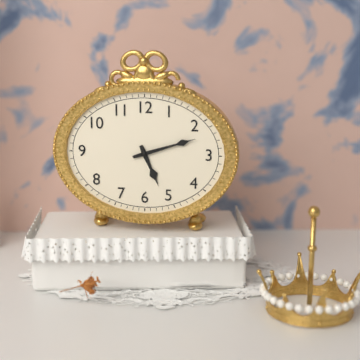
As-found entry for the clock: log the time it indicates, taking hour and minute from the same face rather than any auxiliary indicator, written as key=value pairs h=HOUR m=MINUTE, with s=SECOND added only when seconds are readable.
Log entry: h=5 m=12
